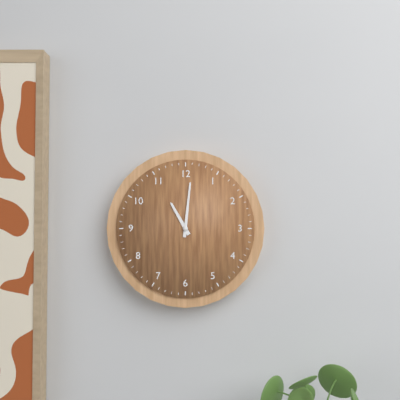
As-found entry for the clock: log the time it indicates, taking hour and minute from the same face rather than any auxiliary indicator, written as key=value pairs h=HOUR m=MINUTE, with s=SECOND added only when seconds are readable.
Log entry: h=11 m=1
